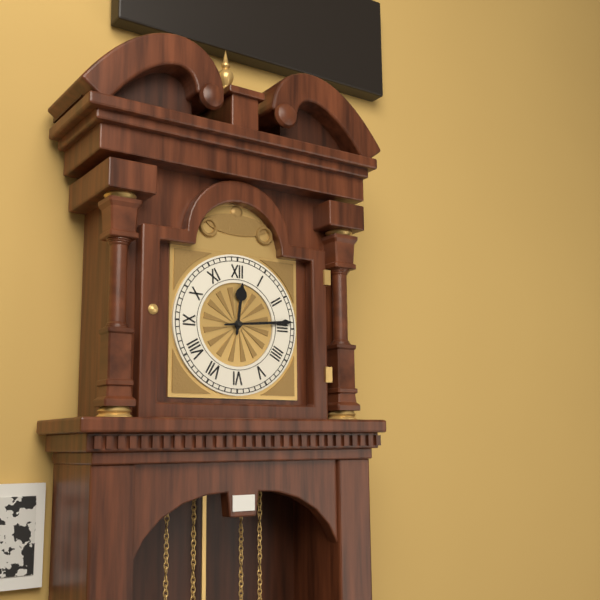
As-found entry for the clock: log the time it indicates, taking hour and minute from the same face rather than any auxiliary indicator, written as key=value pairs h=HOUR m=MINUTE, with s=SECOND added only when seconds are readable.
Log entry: h=12 m=14
